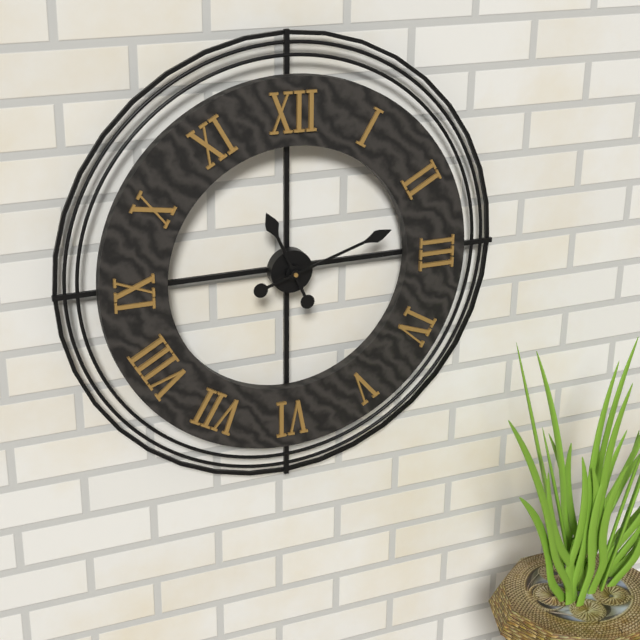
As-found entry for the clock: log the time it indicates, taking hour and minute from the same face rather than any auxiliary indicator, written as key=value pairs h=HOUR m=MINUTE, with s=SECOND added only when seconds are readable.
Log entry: h=11 m=12
